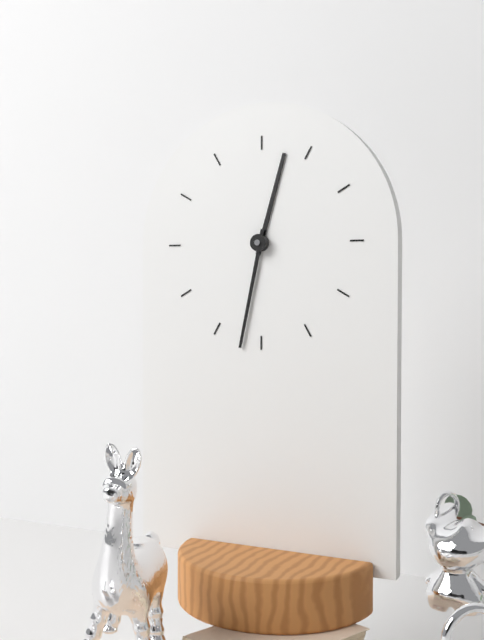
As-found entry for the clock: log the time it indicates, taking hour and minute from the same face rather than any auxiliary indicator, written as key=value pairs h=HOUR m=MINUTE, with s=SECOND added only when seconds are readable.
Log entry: h=12 m=32
